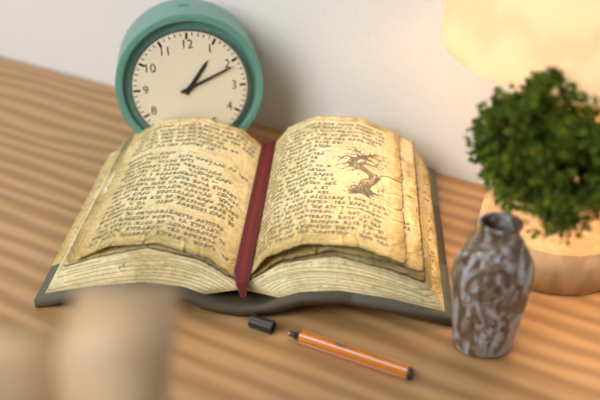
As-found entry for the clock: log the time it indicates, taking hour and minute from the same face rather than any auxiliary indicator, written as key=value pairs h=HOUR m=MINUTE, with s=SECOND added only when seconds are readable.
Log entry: h=1 m=11
